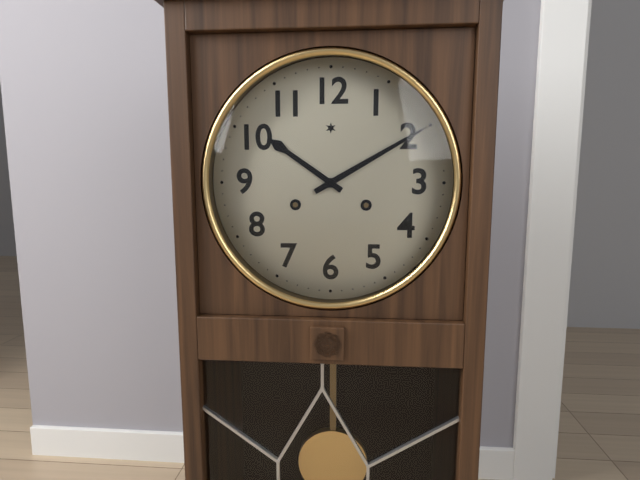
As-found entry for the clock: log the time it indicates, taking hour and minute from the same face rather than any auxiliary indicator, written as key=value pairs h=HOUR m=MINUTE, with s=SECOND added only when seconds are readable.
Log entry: h=10 m=10
